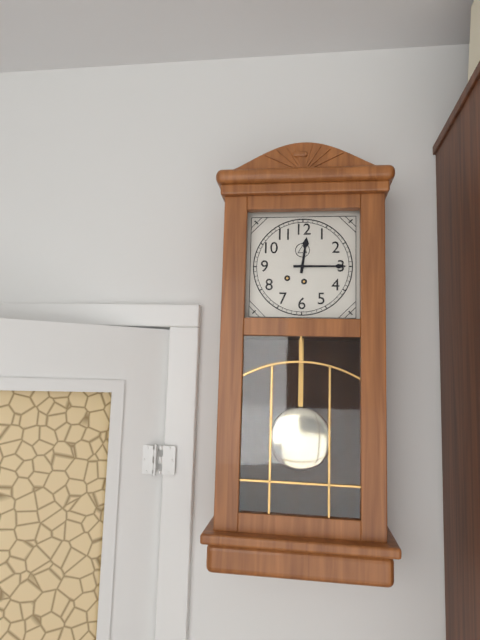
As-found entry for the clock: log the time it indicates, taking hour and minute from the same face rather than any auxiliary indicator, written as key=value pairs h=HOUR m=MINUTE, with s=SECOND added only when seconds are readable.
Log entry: h=12 m=15
